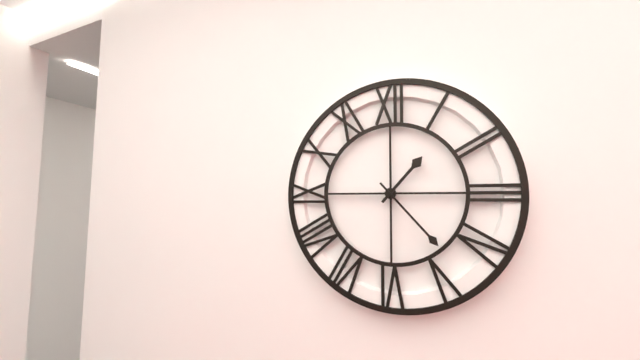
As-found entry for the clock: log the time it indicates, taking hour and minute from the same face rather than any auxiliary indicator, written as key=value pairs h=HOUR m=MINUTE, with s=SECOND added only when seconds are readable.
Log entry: h=1 m=23
